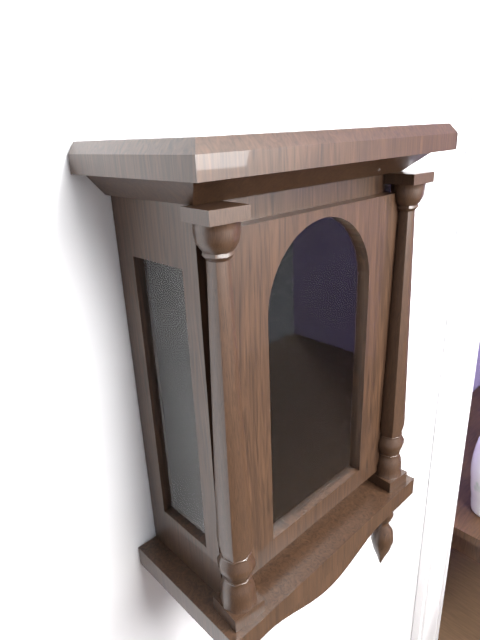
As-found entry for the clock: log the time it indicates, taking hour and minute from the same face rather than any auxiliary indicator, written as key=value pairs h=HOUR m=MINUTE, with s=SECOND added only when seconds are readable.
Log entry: h=3 m=55
